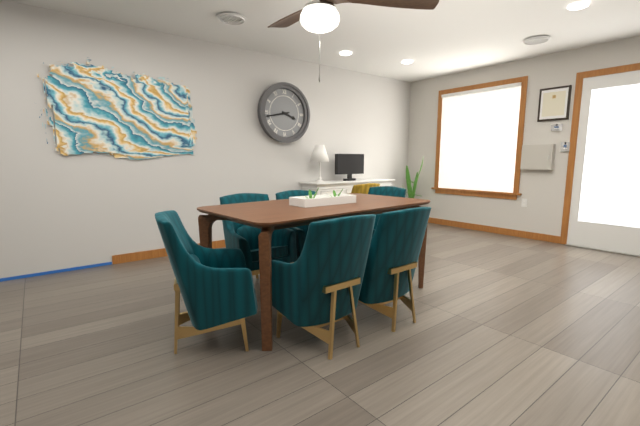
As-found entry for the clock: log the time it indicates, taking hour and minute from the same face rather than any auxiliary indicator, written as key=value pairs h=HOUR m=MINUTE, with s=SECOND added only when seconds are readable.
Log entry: h=3 m=43
